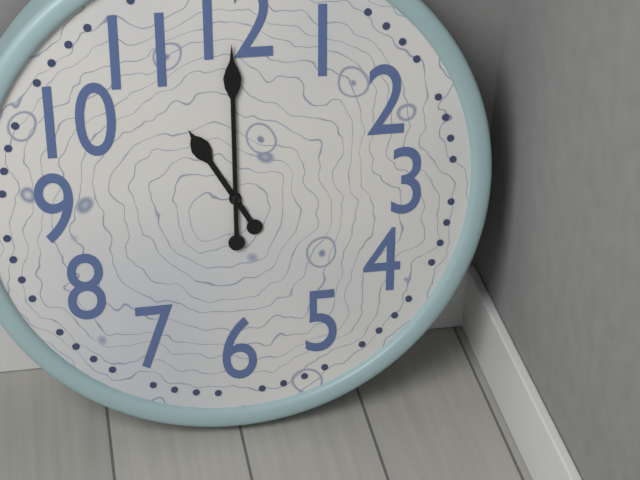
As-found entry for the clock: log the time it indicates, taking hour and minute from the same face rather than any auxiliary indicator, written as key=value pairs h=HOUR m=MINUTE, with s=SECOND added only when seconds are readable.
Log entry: h=11 m=0
